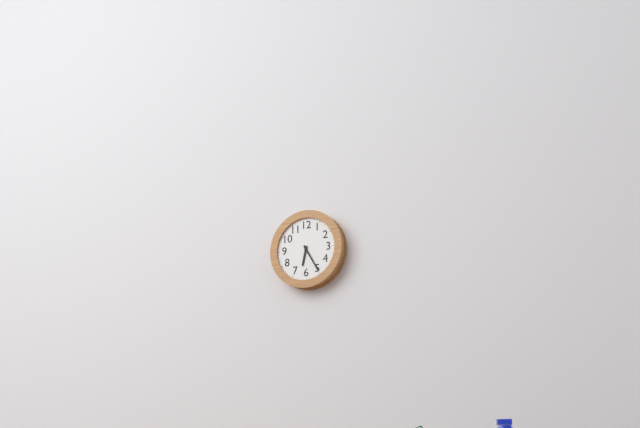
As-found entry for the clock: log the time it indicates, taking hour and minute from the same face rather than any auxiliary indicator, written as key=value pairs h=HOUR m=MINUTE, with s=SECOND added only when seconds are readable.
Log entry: h=6 m=25
